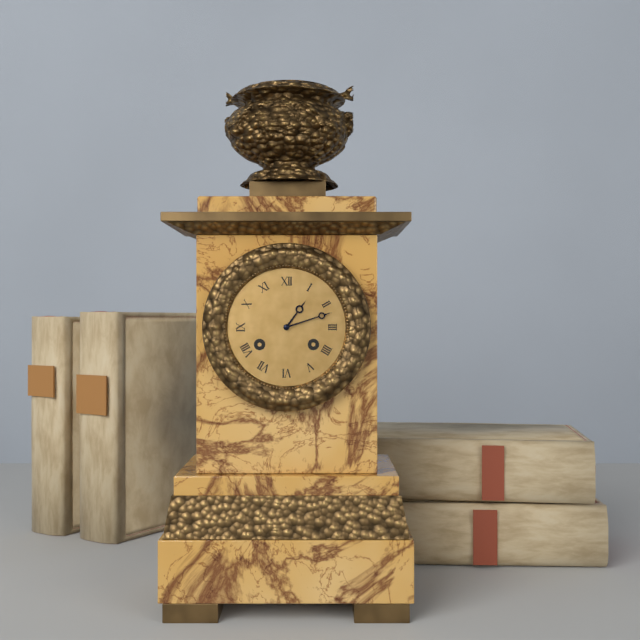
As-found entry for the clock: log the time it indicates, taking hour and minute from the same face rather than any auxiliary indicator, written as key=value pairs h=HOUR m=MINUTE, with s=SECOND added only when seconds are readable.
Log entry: h=1 m=12
